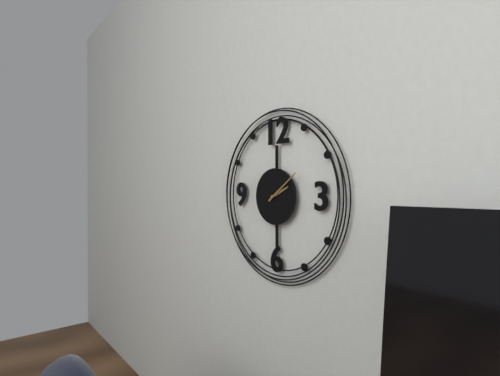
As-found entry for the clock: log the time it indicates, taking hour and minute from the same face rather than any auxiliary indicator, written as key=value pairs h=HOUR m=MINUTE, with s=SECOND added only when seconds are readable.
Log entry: h=2 m=9
